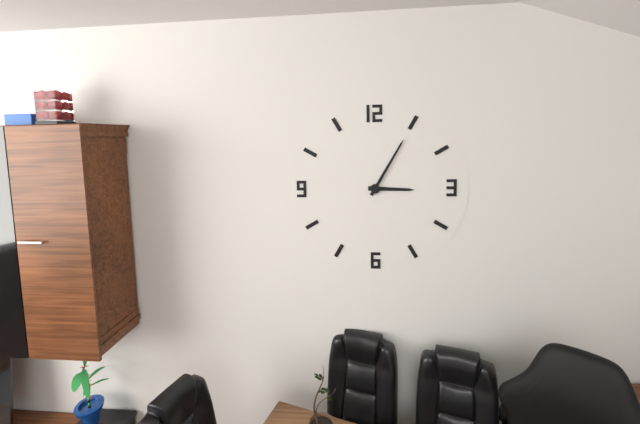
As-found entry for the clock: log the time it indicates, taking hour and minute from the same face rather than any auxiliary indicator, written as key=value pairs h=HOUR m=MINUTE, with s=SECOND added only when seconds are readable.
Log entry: h=3 m=5
